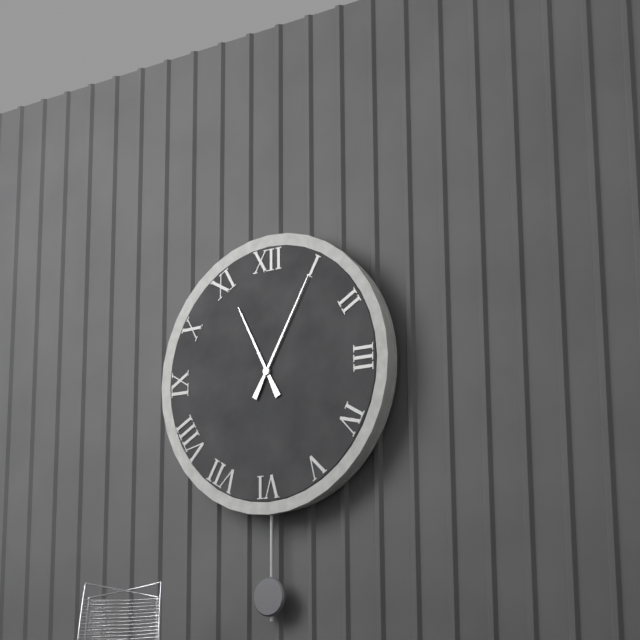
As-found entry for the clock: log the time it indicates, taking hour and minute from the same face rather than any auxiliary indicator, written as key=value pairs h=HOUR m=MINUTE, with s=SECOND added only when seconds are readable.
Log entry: h=11 m=5
